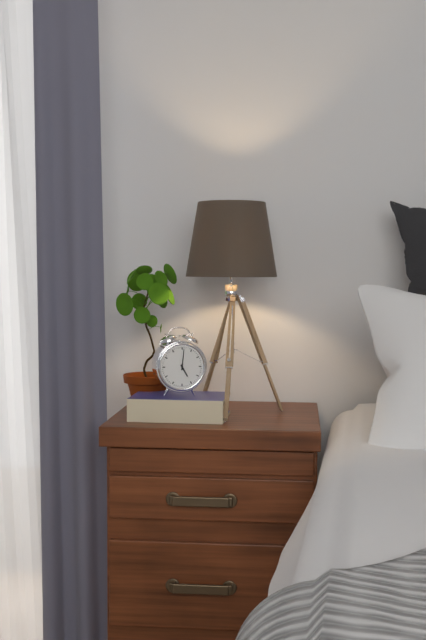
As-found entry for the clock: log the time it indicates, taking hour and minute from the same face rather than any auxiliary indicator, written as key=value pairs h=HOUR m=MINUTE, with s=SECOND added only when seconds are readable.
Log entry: h=5 m=1
